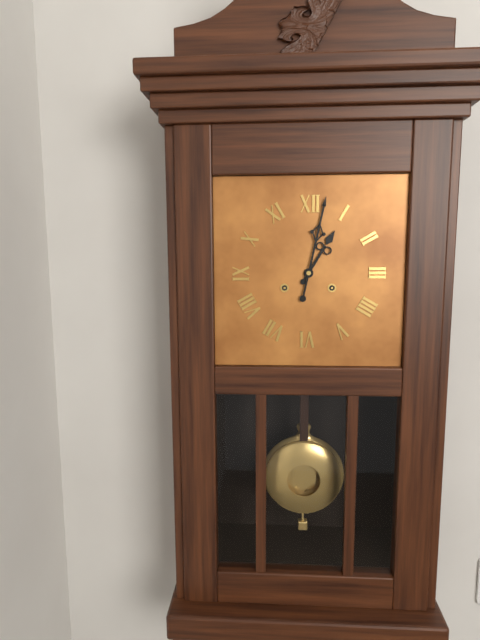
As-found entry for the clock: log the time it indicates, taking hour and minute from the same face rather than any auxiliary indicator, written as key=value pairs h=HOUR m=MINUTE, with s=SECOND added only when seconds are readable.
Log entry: h=1 m=2
